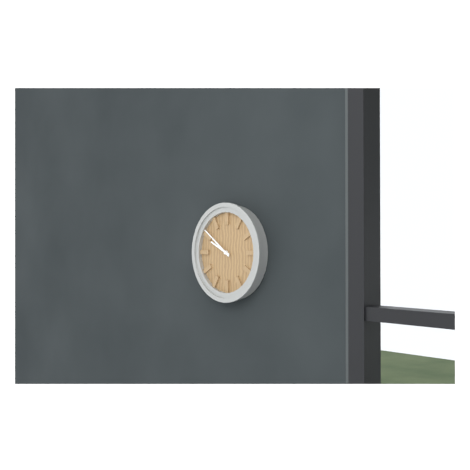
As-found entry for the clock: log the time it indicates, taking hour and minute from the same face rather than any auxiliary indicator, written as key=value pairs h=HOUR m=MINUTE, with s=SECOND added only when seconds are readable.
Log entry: h=9 m=51
